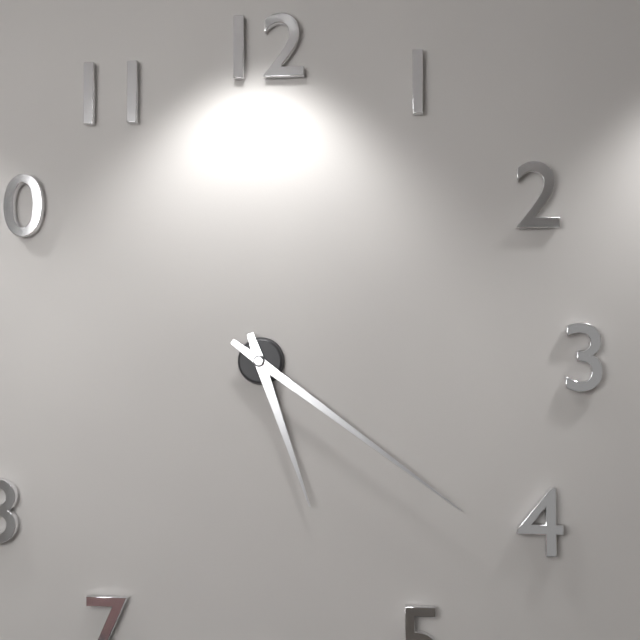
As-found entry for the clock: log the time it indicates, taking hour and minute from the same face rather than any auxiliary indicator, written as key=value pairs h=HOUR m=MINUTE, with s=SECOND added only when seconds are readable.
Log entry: h=5 m=21
